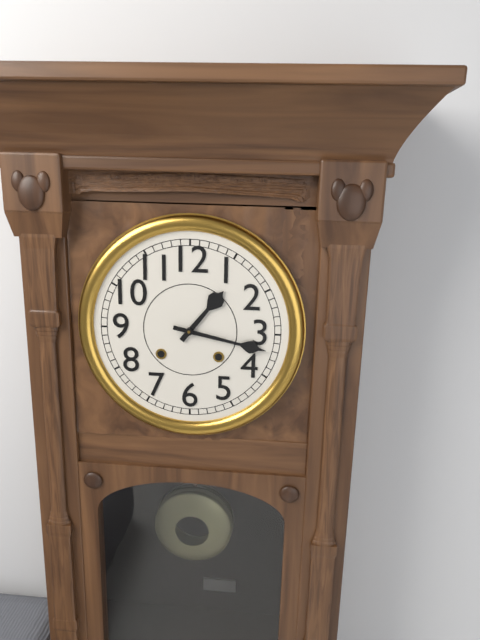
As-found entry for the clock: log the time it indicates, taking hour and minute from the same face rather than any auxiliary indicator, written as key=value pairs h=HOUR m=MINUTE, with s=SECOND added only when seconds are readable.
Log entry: h=1 m=17
